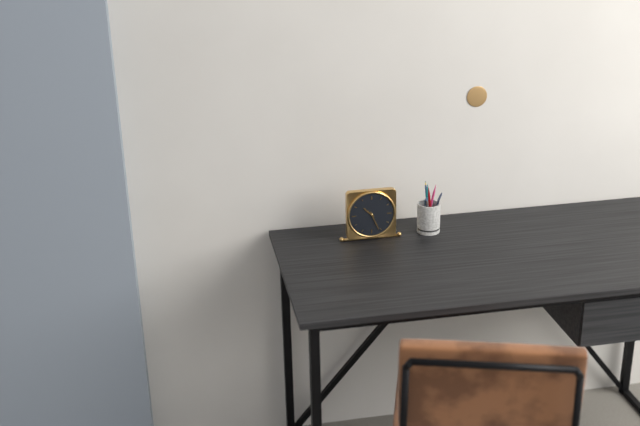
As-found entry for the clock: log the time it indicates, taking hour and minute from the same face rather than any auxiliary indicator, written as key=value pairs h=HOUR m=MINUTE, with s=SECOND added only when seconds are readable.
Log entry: h=10 m=26
